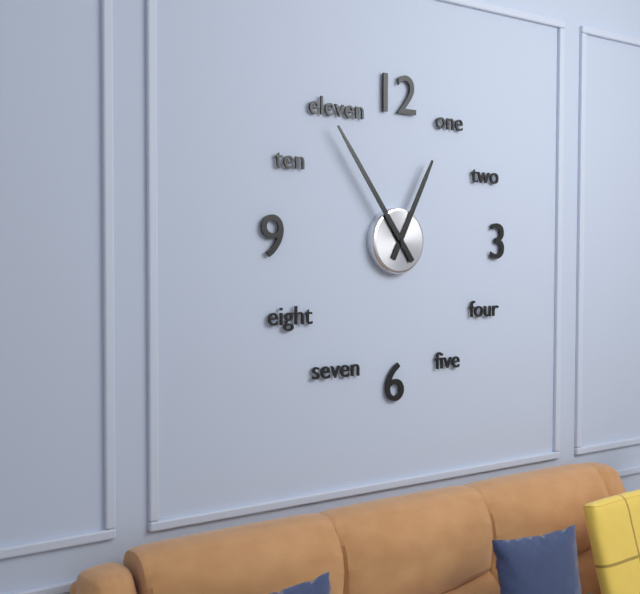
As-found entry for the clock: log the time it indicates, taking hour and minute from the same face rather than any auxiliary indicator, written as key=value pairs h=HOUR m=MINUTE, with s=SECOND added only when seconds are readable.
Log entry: h=12 m=54
